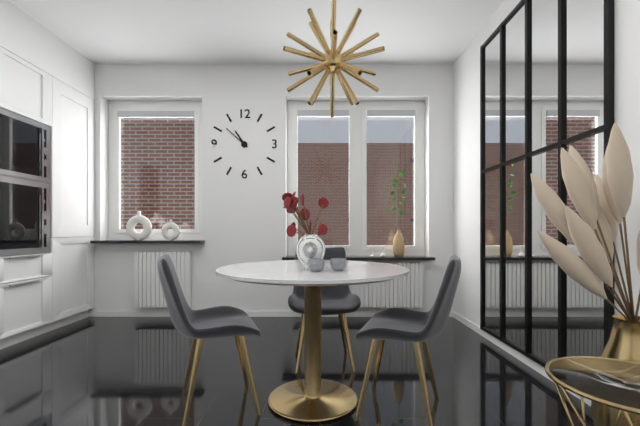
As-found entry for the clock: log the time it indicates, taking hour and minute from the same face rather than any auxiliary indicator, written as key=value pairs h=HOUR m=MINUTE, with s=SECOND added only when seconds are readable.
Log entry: h=10 m=52
